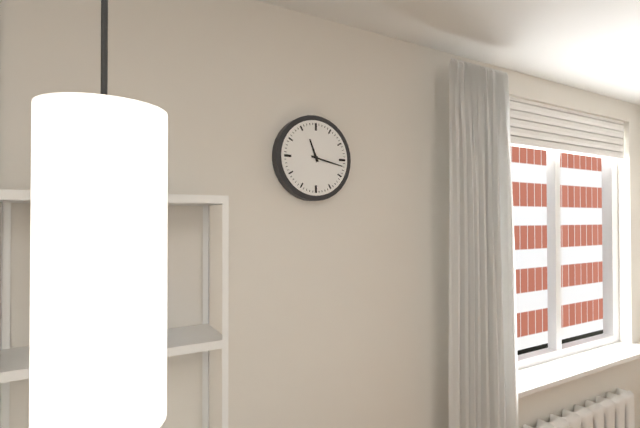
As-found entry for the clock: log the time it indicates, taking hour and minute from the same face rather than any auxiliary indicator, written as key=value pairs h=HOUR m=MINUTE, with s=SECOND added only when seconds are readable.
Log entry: h=11 m=17
